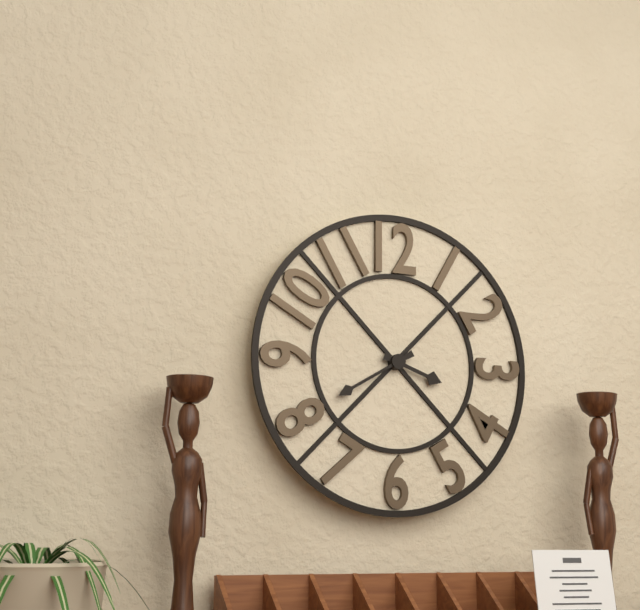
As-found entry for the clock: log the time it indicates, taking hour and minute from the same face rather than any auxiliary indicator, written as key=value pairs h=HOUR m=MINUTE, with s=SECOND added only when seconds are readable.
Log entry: h=3 m=40
